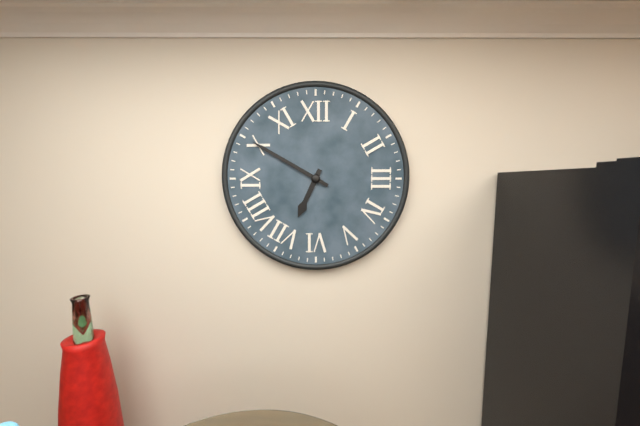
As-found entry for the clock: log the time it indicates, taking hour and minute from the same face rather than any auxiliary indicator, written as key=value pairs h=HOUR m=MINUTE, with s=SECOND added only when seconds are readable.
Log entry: h=6 m=50
